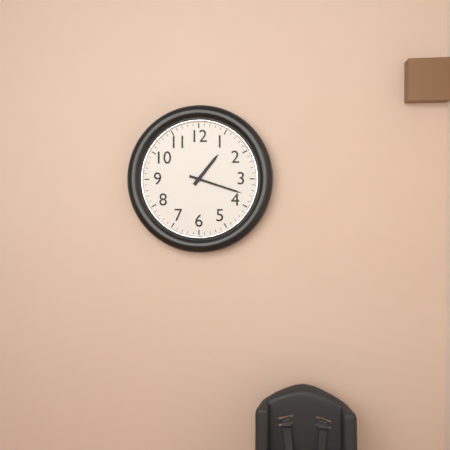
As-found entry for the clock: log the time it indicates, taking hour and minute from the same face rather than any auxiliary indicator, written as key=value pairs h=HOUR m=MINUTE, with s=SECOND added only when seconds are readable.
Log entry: h=1 m=18
